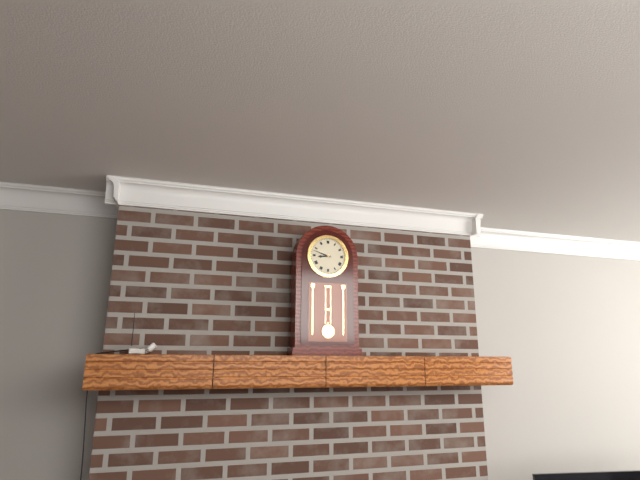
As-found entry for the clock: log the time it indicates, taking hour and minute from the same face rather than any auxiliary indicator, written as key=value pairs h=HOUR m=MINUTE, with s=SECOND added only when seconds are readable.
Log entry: h=8 m=48
